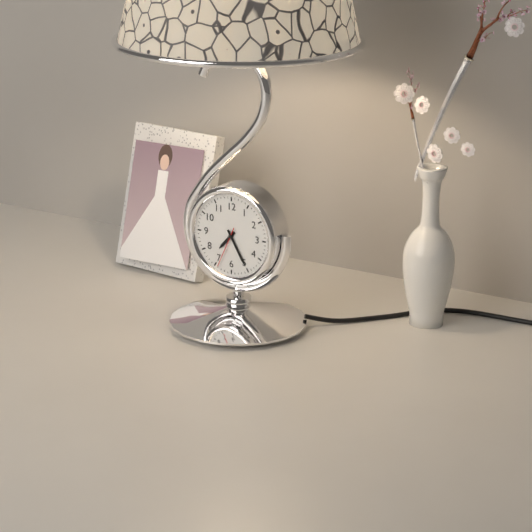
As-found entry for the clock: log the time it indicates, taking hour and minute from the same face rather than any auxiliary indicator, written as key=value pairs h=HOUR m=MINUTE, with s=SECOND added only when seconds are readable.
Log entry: h=7 m=25
